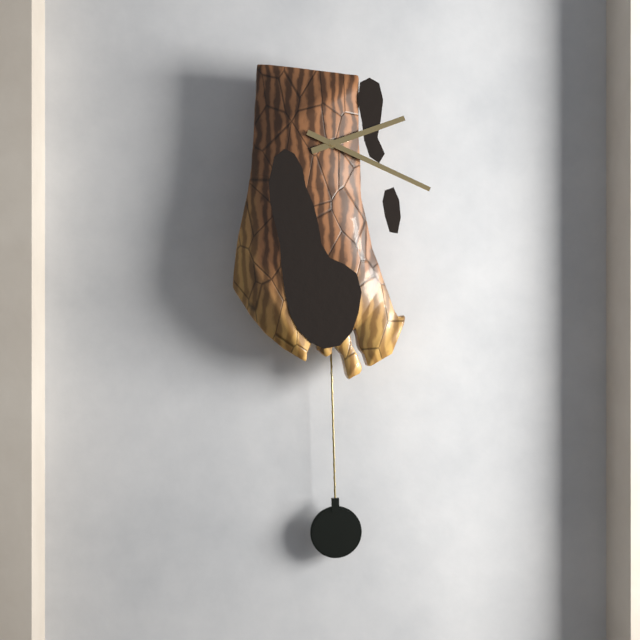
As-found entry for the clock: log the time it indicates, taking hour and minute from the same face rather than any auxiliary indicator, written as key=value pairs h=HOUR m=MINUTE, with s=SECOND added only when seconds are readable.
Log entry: h=2 m=19
